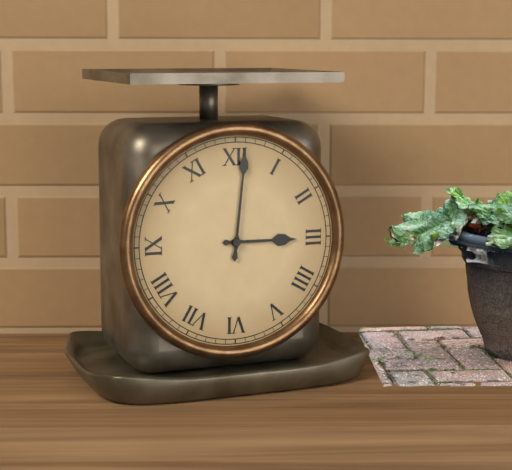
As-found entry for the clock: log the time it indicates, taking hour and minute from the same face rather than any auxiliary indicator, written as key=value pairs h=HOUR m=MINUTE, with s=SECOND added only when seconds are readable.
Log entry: h=3 m=1
